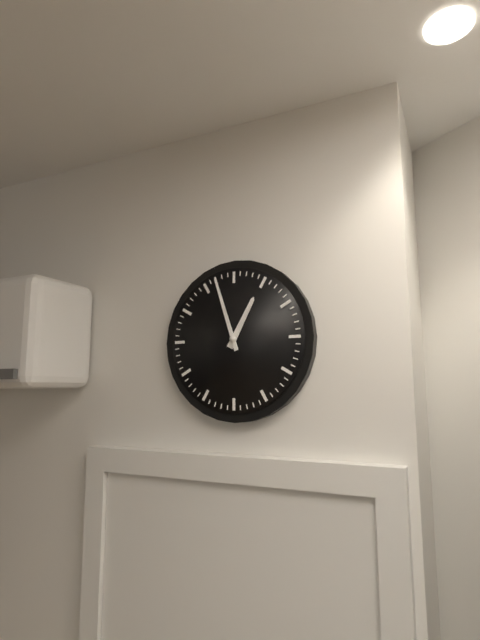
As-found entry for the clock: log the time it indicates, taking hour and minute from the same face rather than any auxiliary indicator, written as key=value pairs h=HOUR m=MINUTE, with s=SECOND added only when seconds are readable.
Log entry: h=12 m=57
